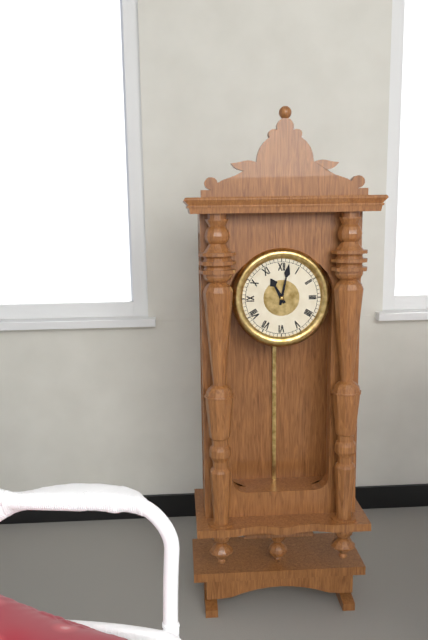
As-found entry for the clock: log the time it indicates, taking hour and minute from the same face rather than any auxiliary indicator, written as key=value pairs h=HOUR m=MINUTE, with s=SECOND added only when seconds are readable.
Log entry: h=11 m=2
